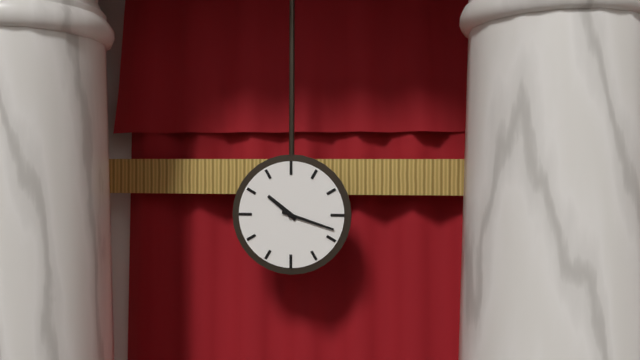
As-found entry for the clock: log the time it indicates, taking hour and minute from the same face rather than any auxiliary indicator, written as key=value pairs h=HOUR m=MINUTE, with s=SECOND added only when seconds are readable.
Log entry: h=10 m=18
